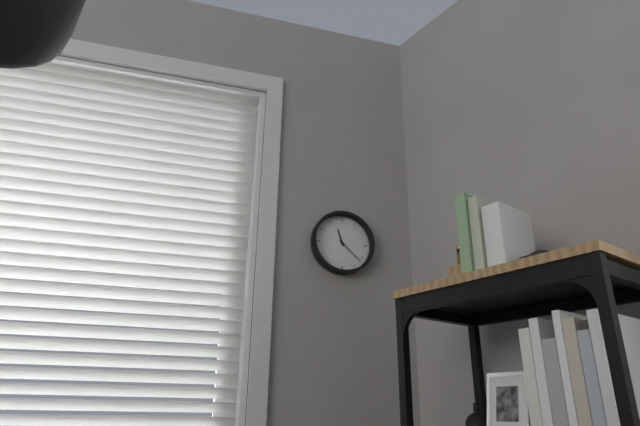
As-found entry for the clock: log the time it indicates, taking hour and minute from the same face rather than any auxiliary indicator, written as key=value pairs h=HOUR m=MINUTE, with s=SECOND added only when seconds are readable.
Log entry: h=11 m=22
